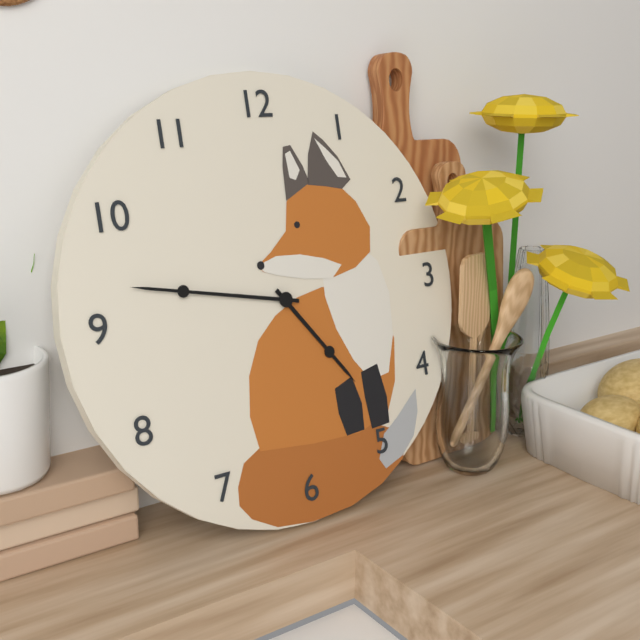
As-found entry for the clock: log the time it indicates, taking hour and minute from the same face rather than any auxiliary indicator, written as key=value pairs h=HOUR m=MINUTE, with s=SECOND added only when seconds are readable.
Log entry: h=4 m=47
